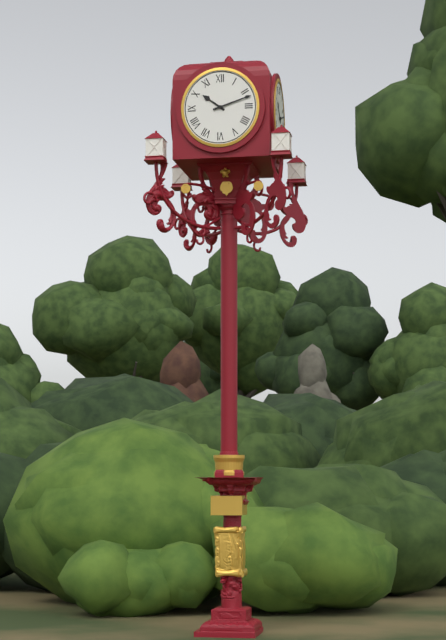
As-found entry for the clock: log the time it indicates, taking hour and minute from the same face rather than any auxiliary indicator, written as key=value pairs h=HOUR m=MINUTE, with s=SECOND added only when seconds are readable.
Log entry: h=10 m=12
